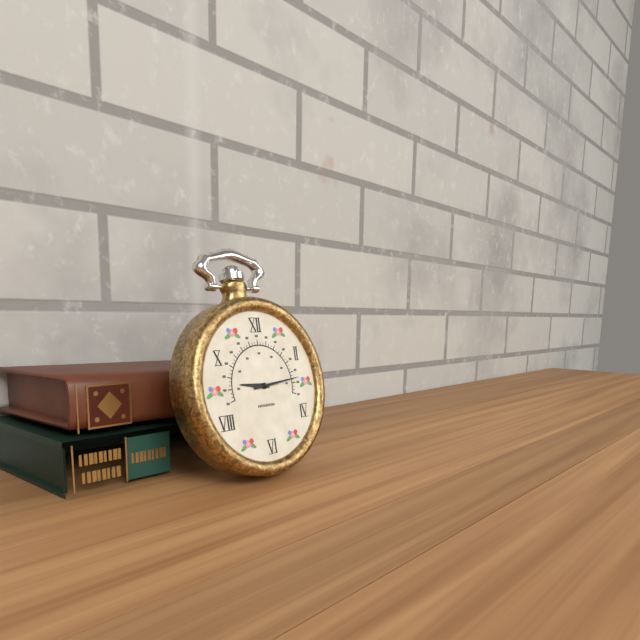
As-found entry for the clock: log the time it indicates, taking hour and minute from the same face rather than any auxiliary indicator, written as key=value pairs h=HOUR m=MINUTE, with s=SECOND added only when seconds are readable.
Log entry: h=9 m=14
